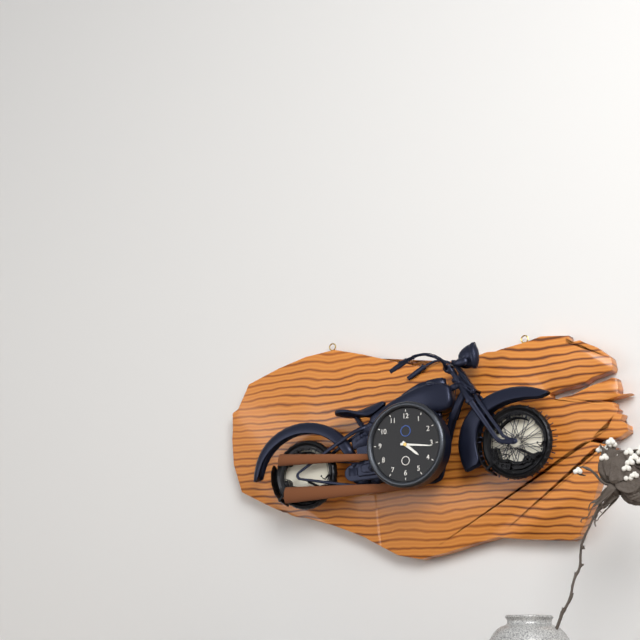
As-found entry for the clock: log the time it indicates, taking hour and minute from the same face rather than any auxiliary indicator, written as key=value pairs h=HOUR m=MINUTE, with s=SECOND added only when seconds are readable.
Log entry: h=4 m=16
